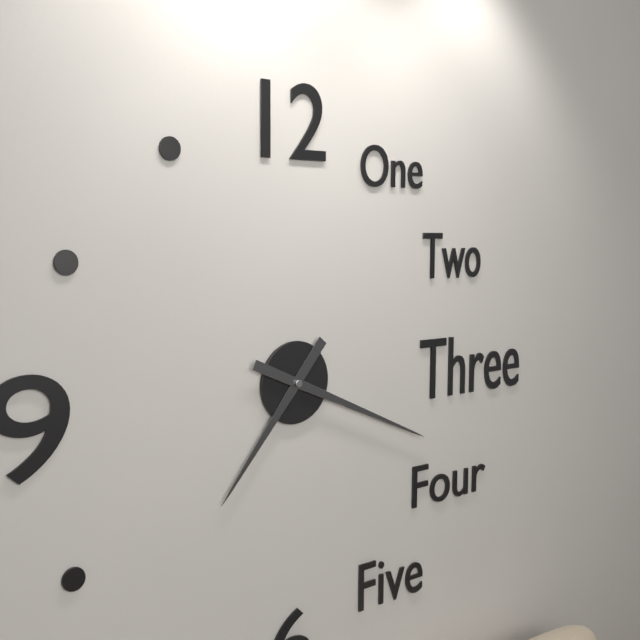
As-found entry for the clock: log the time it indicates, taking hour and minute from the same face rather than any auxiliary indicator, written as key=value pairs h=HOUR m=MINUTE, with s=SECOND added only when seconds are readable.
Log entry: h=7 m=19
